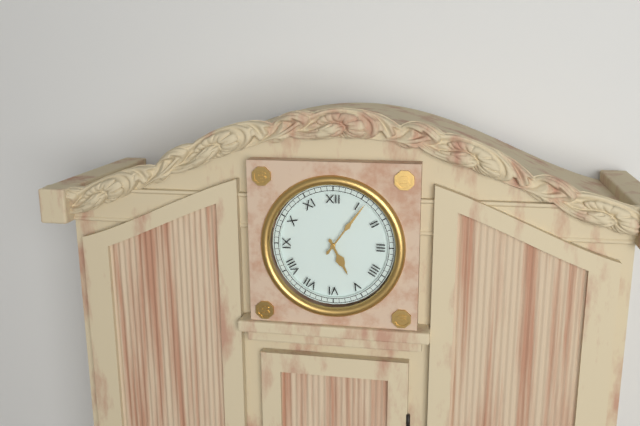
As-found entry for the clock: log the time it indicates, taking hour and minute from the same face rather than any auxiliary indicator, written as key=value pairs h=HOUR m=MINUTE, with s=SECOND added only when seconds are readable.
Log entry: h=5 m=6
